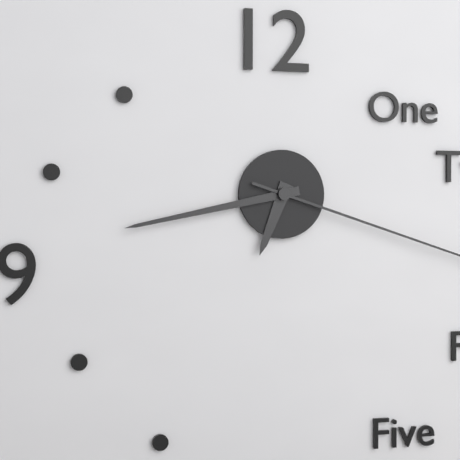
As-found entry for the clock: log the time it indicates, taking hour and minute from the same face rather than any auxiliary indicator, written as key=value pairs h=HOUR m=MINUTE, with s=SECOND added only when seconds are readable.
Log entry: h=6 m=43
